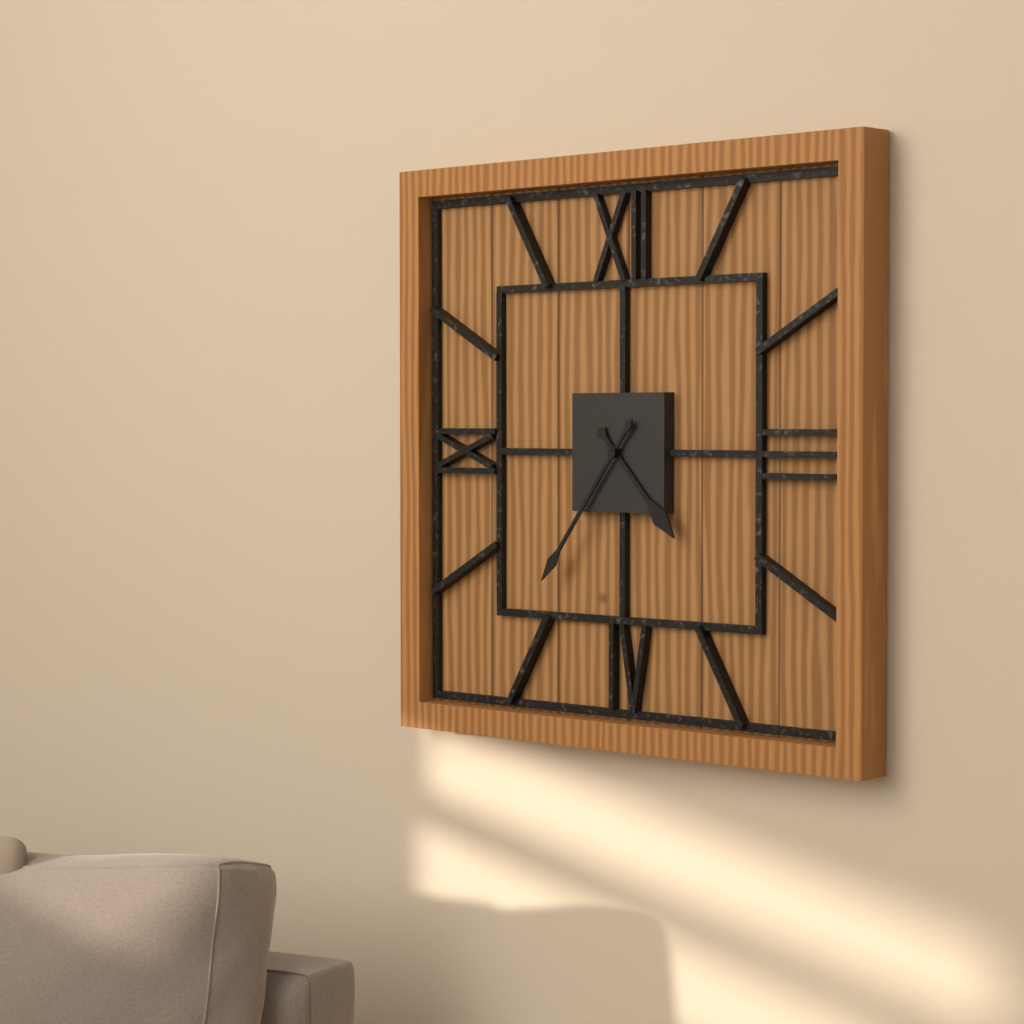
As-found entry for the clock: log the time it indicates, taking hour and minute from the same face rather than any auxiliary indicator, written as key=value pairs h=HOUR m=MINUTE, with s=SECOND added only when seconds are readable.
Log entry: h=4 m=36
